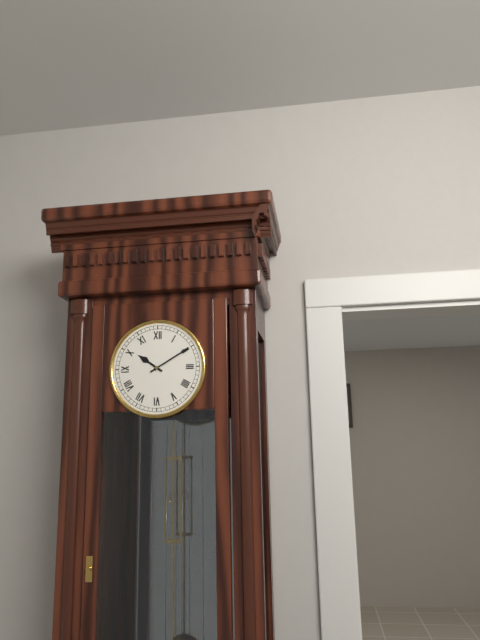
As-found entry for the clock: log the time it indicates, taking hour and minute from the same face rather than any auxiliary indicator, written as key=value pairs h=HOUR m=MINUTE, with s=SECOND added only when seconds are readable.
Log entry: h=10 m=10
